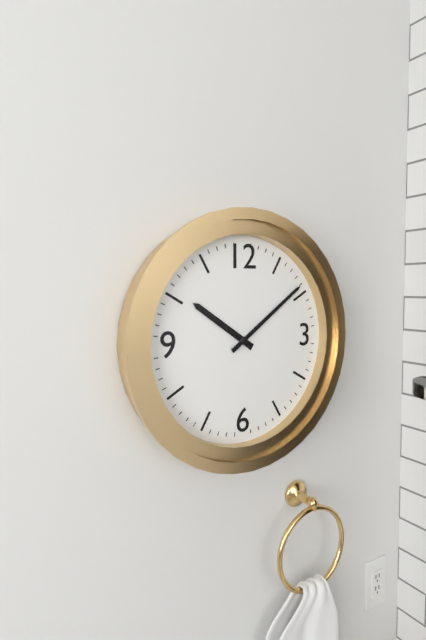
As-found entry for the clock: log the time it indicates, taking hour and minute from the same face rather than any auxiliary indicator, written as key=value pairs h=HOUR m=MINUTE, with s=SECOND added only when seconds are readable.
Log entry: h=10 m=9
